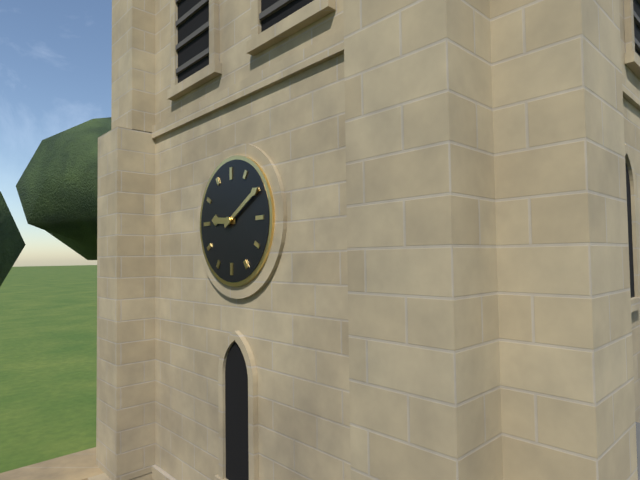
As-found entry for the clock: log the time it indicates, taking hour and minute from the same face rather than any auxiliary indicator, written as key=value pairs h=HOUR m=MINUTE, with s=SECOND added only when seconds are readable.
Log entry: h=9 m=10
